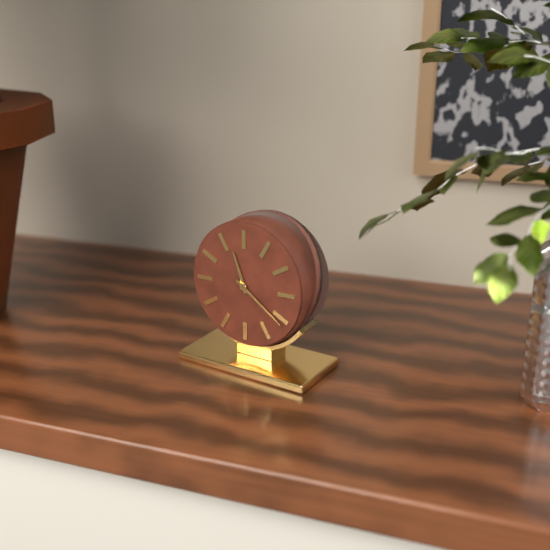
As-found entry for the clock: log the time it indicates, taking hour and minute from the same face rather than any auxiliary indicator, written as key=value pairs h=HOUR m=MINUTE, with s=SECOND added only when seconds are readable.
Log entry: h=11 m=21
